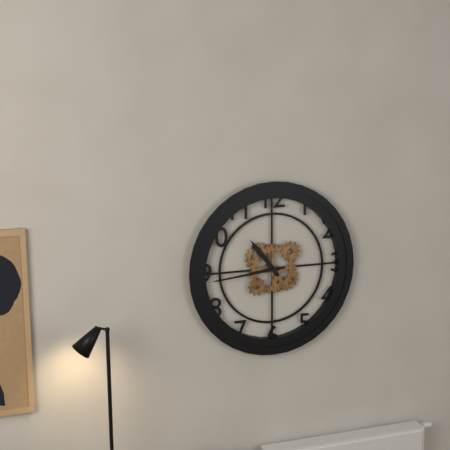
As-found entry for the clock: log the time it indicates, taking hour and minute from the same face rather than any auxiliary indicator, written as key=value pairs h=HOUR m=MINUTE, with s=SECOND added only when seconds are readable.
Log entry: h=10 m=44
